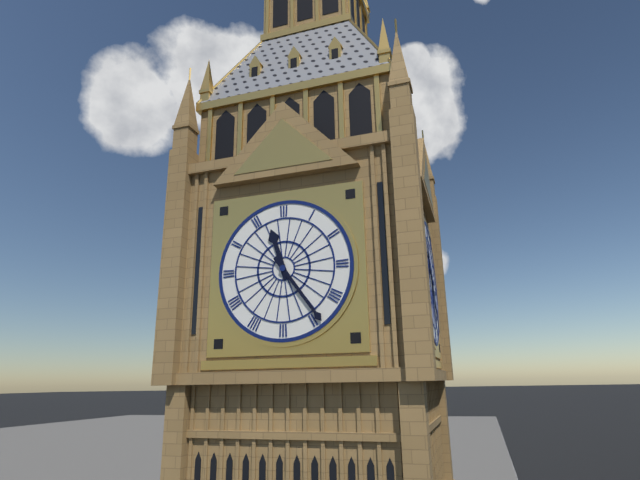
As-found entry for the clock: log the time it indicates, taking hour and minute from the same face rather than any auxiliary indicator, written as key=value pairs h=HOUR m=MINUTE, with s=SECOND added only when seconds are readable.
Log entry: h=11 m=24
